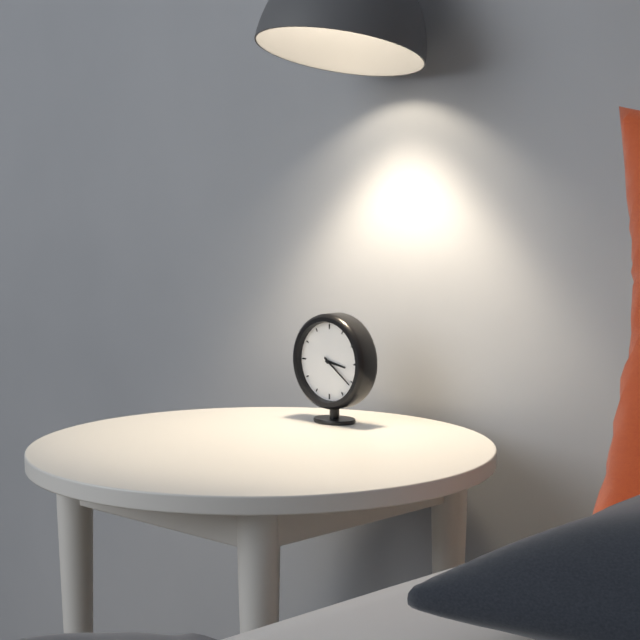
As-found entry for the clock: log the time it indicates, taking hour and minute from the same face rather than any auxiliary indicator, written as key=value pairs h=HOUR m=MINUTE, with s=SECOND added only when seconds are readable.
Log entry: h=3 m=21
